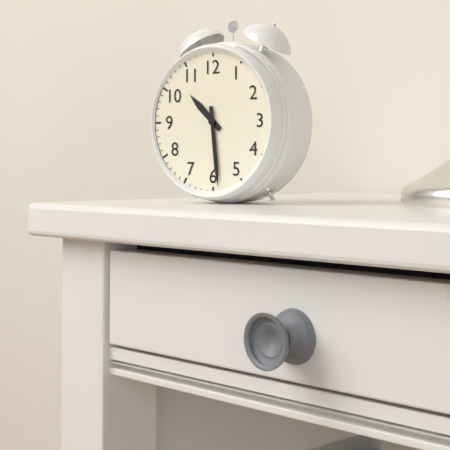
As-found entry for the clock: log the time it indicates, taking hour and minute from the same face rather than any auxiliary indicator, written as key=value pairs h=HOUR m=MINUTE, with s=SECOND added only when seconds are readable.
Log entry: h=10 m=29
